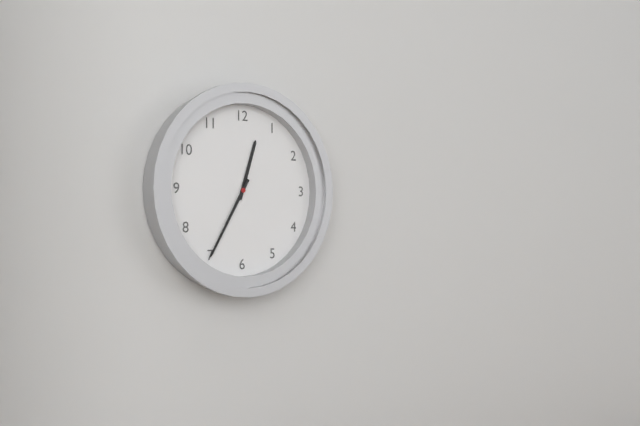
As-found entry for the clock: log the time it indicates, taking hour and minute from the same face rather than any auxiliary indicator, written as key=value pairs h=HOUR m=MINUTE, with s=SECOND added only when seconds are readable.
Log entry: h=12 m=35
